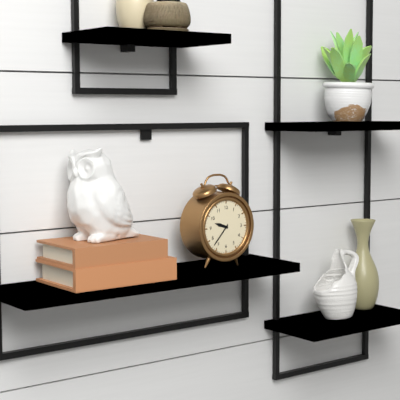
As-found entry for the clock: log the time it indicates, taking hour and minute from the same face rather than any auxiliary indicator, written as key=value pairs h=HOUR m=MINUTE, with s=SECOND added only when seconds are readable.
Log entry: h=9 m=37
